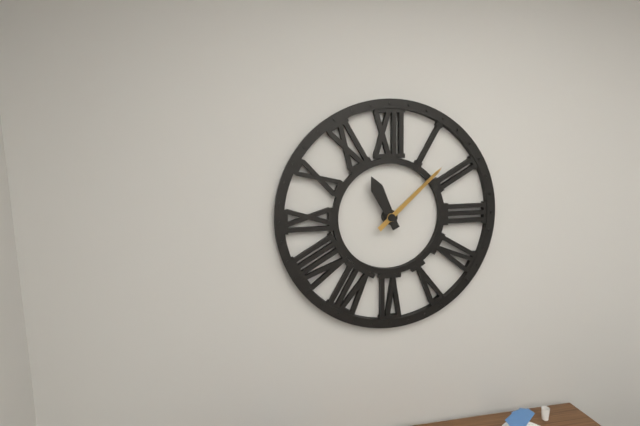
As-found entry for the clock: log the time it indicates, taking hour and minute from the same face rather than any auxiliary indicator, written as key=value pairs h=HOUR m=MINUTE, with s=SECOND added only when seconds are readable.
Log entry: h=11 m=8
